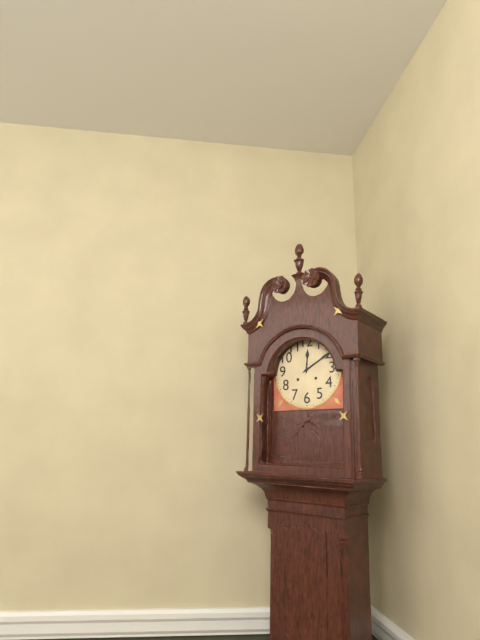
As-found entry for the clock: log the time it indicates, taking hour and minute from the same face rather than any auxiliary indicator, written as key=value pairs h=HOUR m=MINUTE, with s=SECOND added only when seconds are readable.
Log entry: h=12 m=10
